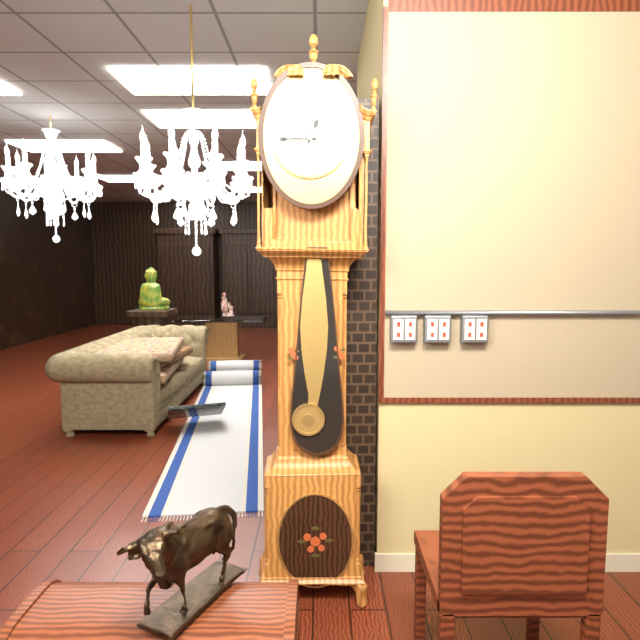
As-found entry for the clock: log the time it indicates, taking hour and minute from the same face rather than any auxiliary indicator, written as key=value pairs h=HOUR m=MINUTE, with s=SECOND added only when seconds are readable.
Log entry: h=12 m=45
